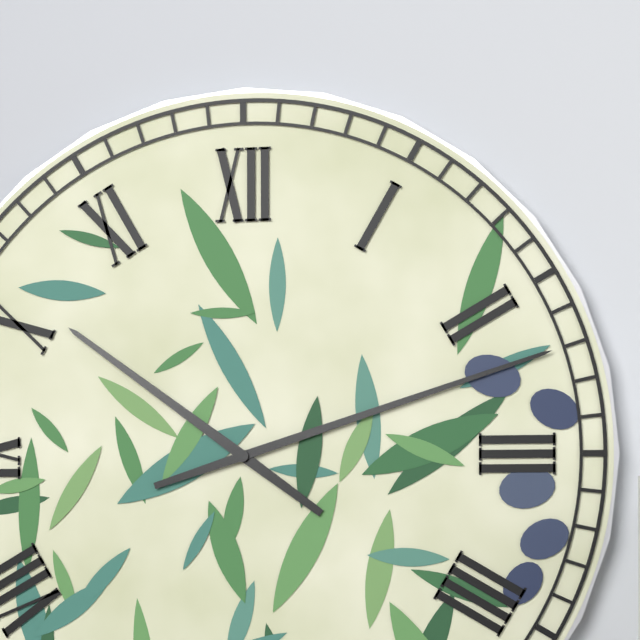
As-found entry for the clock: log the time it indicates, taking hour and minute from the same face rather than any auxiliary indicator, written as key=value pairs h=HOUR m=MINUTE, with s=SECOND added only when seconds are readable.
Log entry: h=10 m=12
